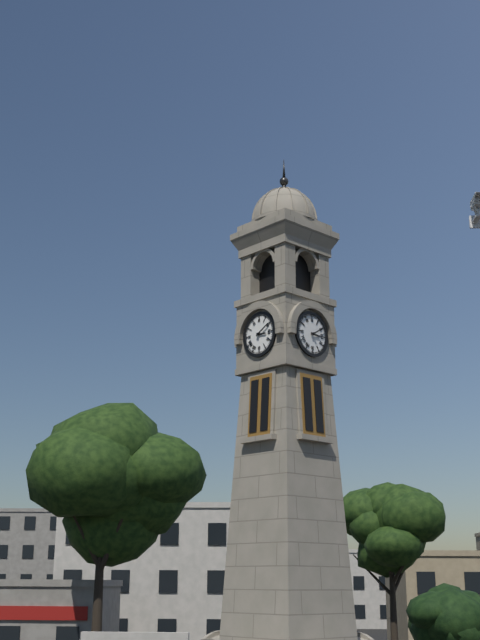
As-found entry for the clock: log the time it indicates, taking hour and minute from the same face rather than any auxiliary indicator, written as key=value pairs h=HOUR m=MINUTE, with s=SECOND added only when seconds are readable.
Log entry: h=3 m=10
